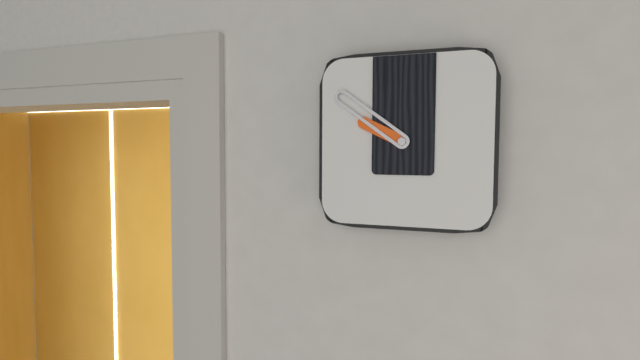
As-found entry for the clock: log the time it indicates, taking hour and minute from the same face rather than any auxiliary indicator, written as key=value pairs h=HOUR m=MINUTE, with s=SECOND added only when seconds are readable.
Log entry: h=9 m=51
